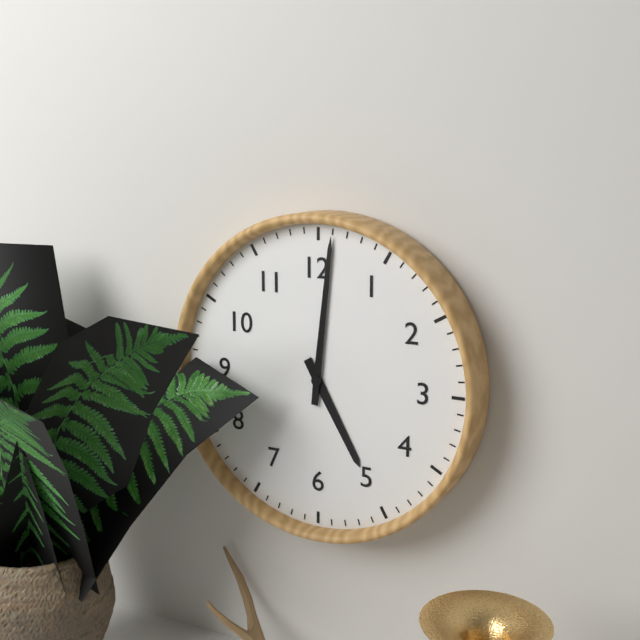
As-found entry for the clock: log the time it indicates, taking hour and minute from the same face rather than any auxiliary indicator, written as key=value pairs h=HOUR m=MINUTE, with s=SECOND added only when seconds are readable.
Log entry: h=5 m=1
